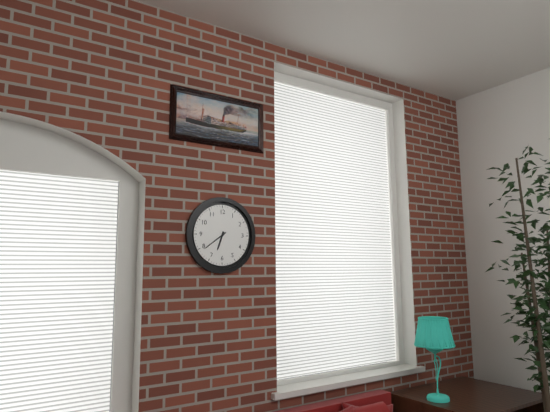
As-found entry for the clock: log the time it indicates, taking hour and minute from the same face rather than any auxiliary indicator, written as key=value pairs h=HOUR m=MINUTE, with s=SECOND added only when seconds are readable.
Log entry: h=6 m=39
